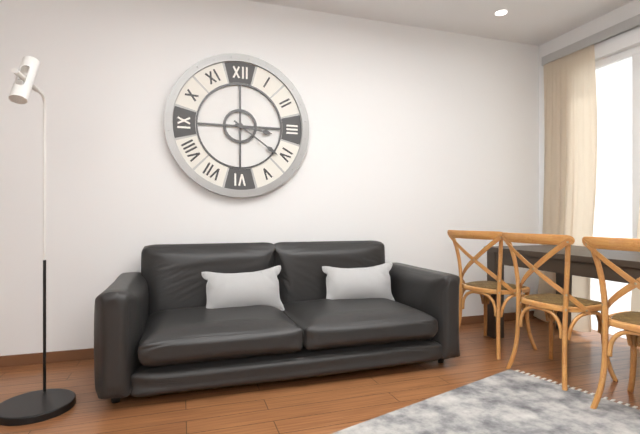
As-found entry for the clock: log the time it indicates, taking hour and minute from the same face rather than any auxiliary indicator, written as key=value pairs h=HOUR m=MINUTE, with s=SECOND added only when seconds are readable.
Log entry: h=3 m=21
